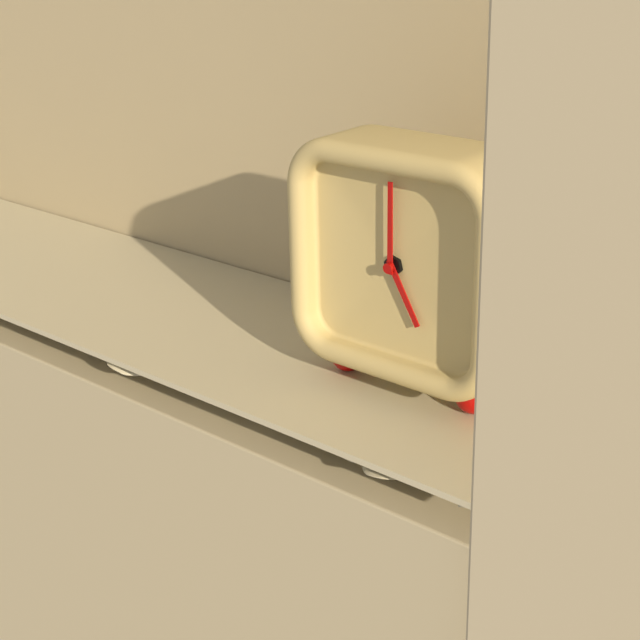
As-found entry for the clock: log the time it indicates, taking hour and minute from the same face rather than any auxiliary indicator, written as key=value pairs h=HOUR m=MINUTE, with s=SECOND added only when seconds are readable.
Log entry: h=5 m=0
